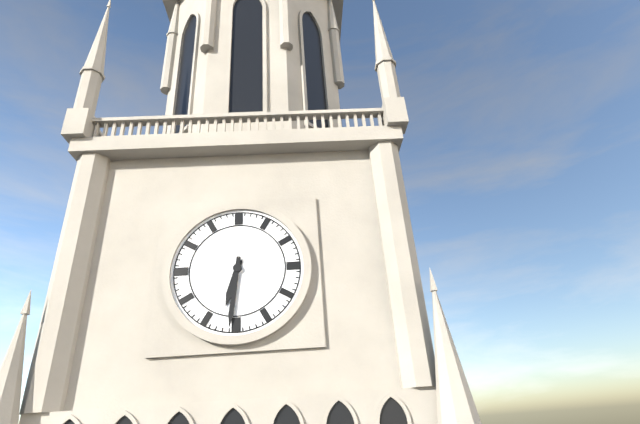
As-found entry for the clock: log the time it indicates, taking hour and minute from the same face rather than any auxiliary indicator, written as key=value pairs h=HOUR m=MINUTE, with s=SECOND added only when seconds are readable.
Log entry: h=6 m=31
